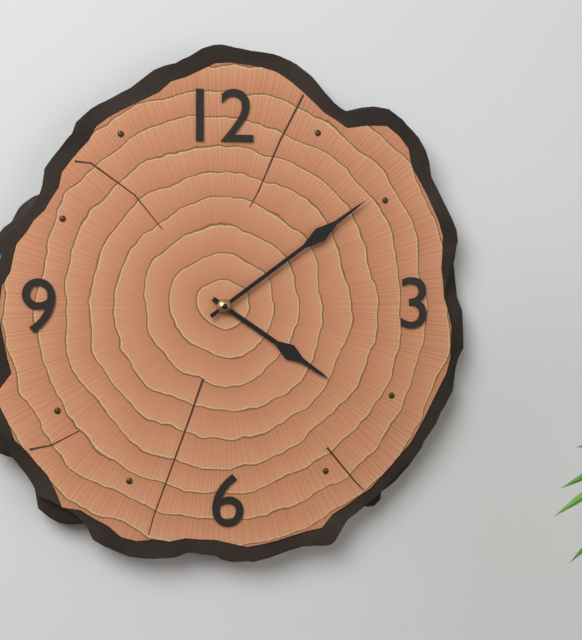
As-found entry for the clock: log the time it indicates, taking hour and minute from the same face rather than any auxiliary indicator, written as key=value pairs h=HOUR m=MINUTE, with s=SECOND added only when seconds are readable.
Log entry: h=4 m=9
